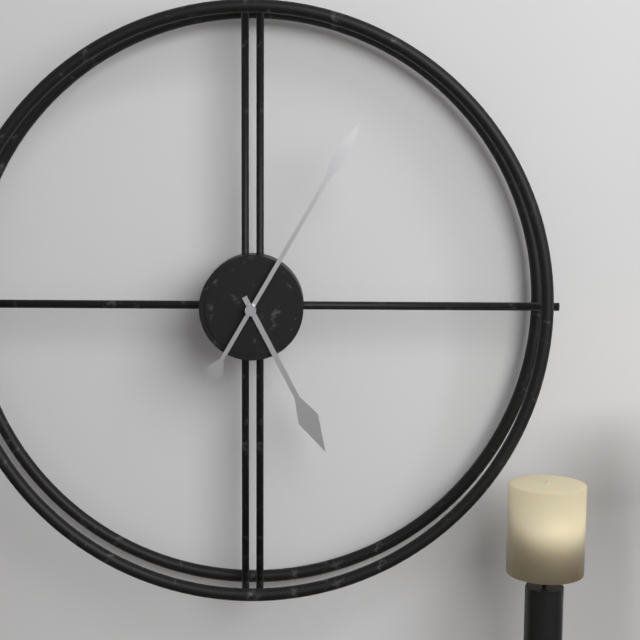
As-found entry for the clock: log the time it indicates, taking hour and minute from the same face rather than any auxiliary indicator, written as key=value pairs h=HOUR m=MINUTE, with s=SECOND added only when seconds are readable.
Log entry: h=5 m=5
